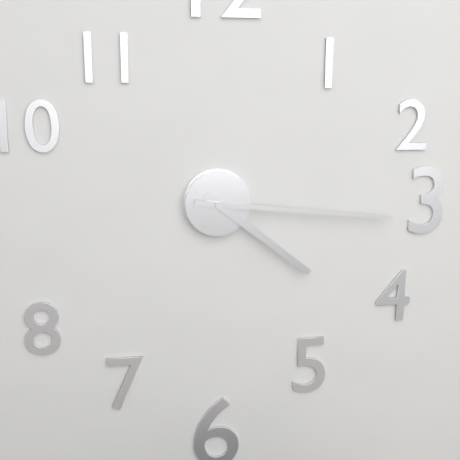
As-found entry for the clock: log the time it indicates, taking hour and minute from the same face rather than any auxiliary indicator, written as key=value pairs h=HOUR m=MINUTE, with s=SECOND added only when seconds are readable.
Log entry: h=4 m=16
